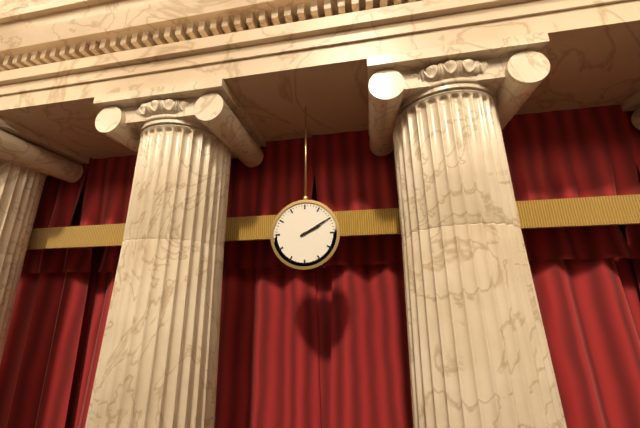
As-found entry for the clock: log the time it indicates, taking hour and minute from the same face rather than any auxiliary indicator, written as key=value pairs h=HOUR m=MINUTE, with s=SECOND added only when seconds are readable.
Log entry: h=2 m=10
